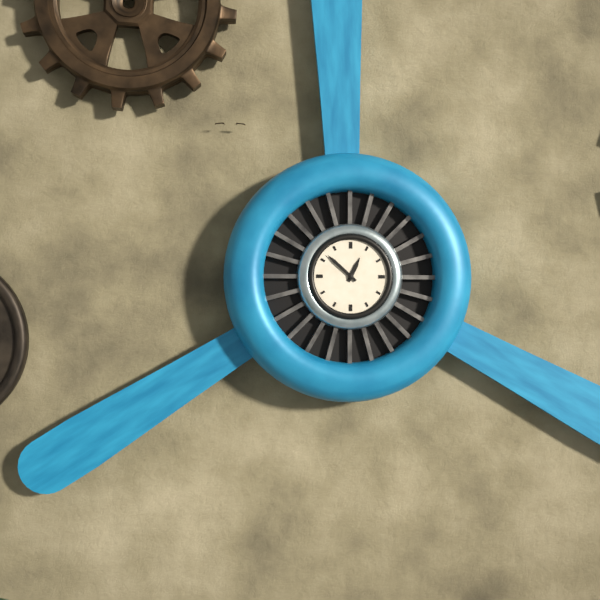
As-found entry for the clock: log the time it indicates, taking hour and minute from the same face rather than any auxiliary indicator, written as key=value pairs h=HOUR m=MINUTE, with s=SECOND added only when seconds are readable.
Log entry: h=12 m=52
